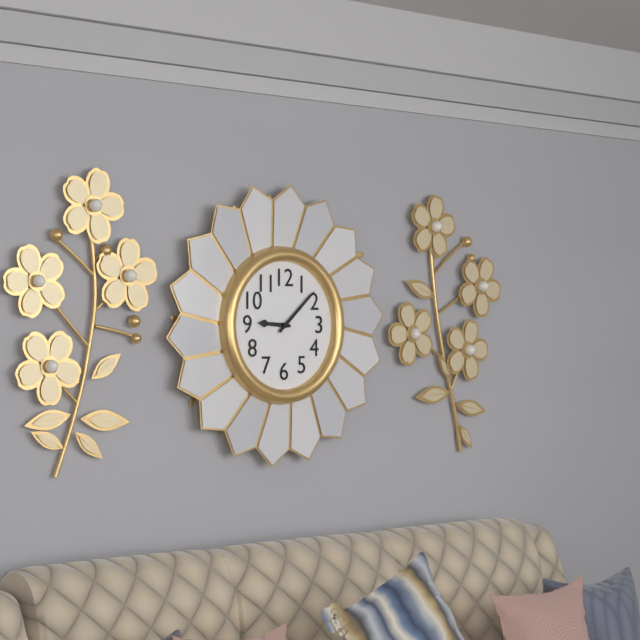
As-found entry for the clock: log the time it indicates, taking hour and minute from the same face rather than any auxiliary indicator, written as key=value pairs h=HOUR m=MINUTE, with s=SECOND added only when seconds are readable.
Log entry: h=9 m=8
